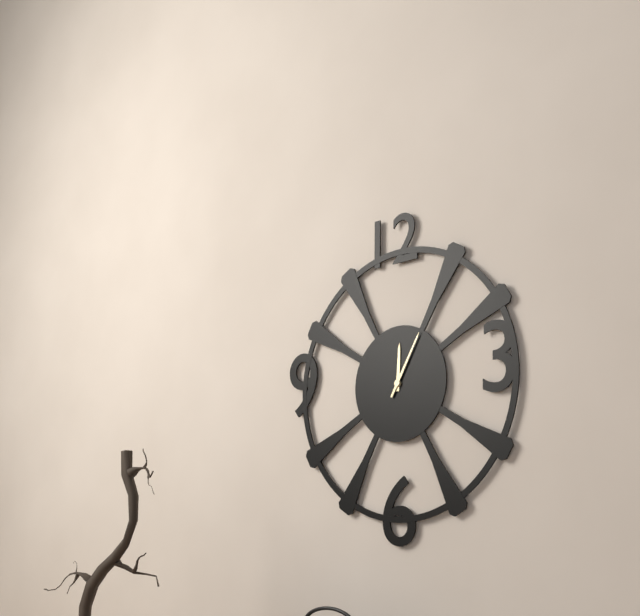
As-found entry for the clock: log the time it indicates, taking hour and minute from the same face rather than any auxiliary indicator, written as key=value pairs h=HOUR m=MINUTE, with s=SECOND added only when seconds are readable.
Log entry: h=12 m=5
